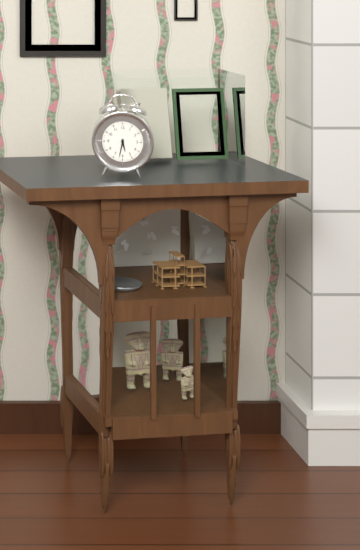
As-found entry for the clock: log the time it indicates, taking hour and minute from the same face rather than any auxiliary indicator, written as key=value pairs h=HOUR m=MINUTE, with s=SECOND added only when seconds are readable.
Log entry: h=5 m=32
